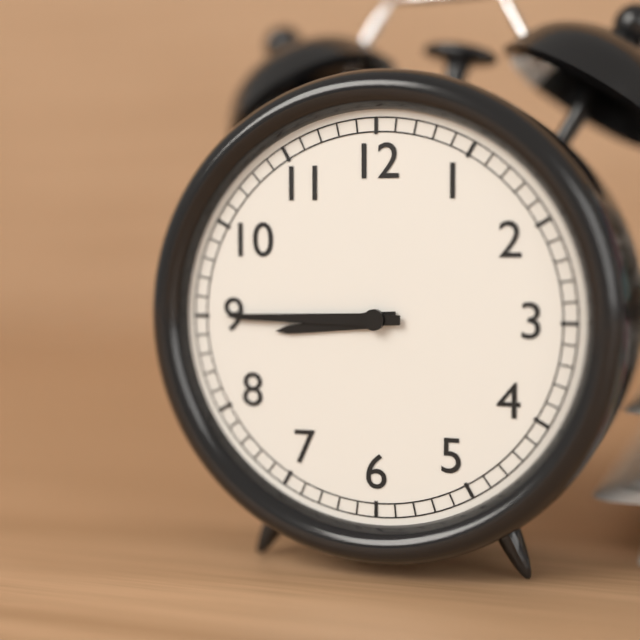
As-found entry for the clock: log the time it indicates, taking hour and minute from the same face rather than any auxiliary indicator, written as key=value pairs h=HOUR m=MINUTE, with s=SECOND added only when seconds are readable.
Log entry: h=8 m=45
